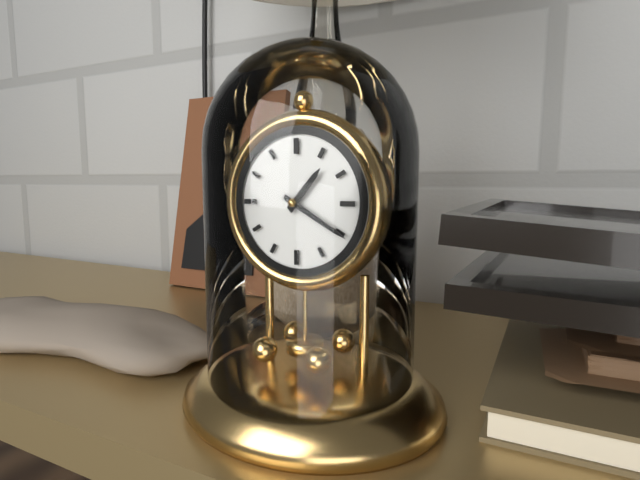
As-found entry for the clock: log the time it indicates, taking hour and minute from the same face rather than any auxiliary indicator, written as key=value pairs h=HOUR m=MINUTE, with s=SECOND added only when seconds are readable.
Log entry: h=1 m=20
